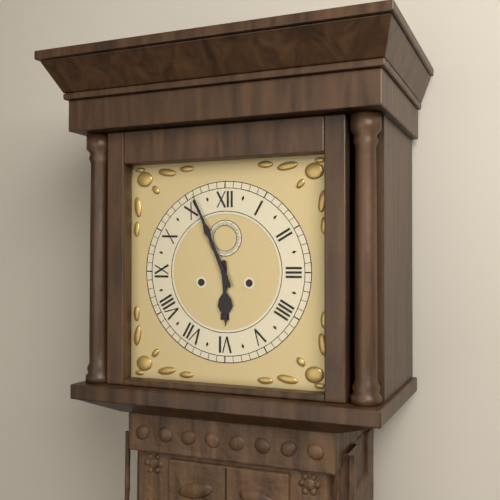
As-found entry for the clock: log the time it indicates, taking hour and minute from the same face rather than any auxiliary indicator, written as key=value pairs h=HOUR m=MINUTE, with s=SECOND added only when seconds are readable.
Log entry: h=5 m=56
